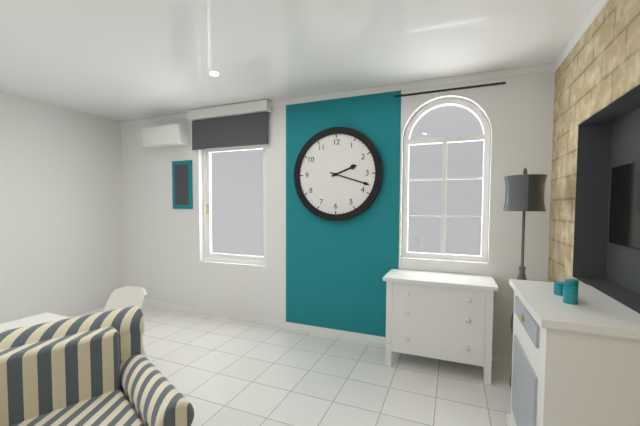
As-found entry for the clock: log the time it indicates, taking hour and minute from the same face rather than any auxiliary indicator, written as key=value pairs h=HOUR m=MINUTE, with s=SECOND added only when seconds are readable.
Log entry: h=2 m=18
